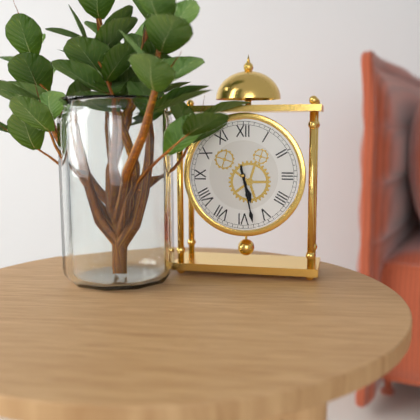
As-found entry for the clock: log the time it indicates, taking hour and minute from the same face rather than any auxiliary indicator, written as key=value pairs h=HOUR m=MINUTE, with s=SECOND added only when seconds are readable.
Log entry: h=5 m=28
